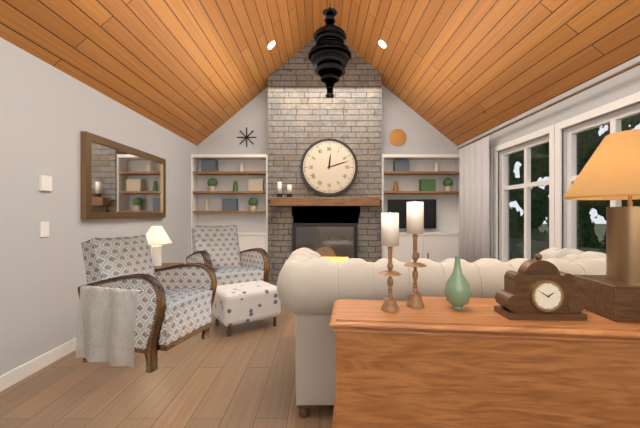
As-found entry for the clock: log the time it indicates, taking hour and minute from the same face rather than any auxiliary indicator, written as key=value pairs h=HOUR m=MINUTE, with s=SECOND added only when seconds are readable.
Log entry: h=12 m=12
